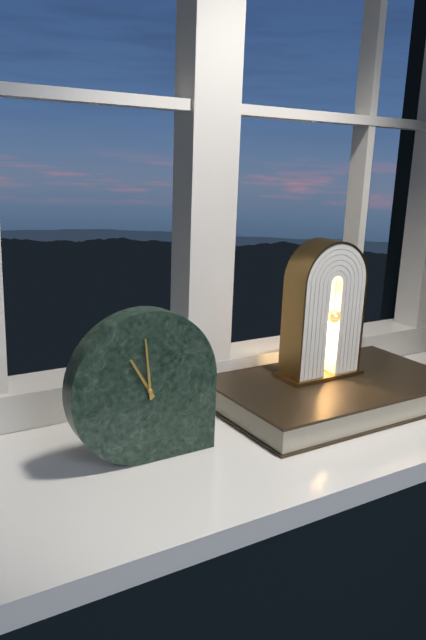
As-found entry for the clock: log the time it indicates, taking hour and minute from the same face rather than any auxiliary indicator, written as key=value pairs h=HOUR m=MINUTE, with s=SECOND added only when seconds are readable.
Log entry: h=10 m=59
